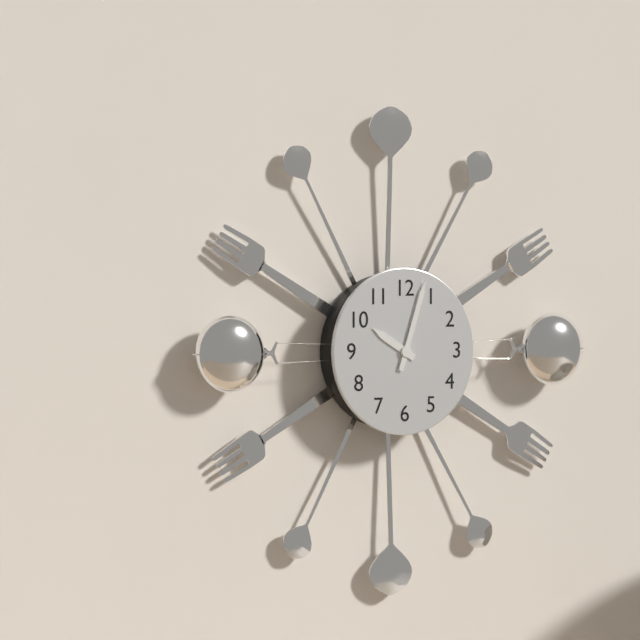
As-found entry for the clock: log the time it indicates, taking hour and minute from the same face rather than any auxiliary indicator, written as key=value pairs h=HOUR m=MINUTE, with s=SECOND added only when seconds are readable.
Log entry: h=10 m=3
